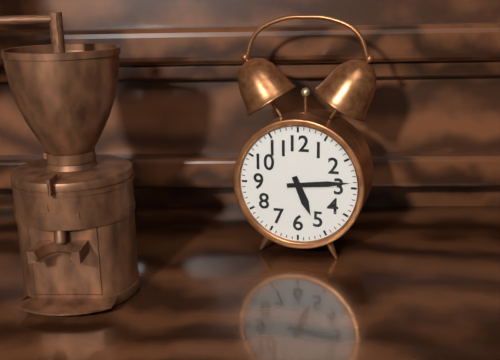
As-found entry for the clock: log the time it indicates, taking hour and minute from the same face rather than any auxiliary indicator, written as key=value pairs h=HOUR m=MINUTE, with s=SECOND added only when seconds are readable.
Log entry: h=5 m=14
